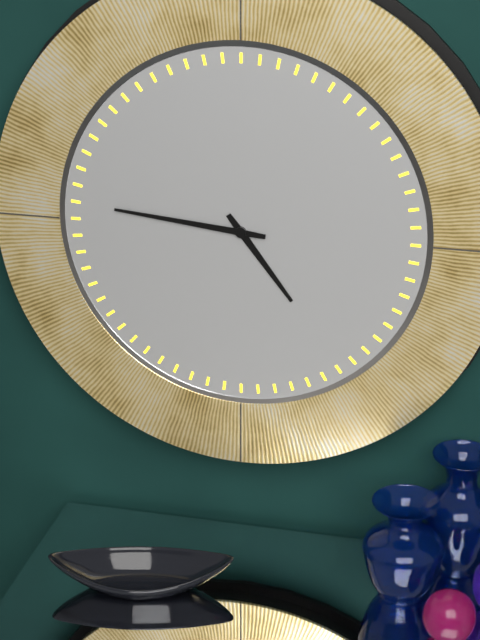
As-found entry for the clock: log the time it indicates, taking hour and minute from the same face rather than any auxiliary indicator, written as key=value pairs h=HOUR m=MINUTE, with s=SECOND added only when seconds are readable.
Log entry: h=4 m=46
